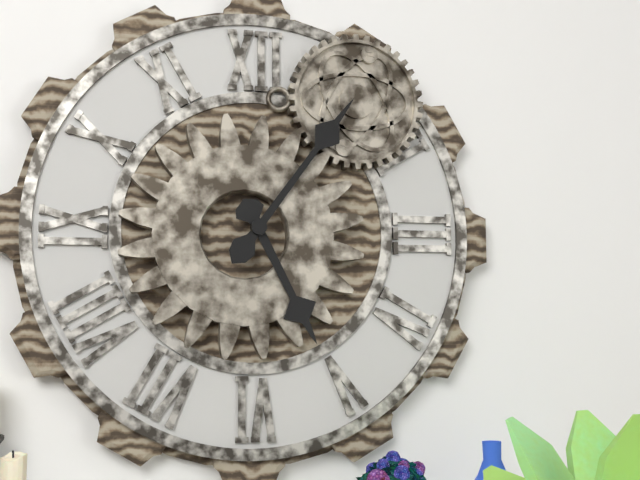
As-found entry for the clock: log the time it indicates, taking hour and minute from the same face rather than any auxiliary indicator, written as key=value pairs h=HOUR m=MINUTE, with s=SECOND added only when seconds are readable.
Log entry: h=5 m=6
